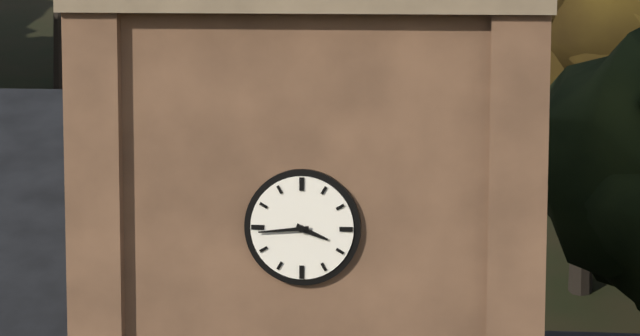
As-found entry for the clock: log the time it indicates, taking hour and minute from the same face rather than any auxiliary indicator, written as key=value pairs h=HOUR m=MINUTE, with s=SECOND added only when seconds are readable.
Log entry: h=3 m=44
